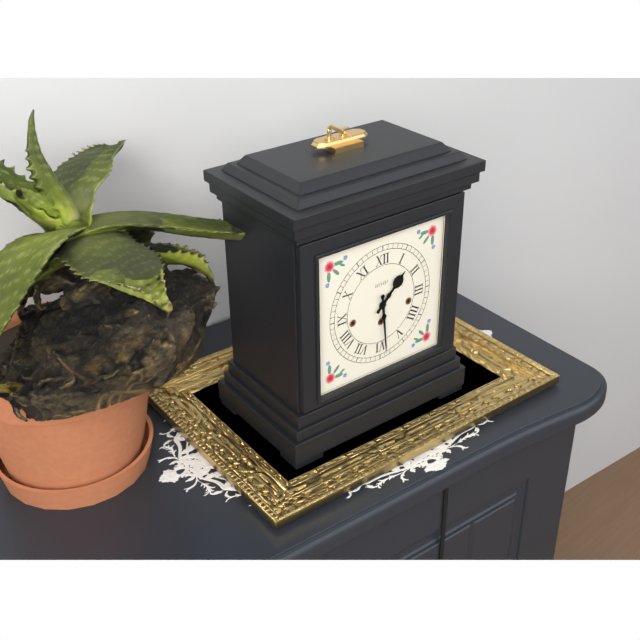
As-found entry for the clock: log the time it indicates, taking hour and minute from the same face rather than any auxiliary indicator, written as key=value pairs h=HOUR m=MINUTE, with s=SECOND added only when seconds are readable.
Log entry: h=1 m=29
